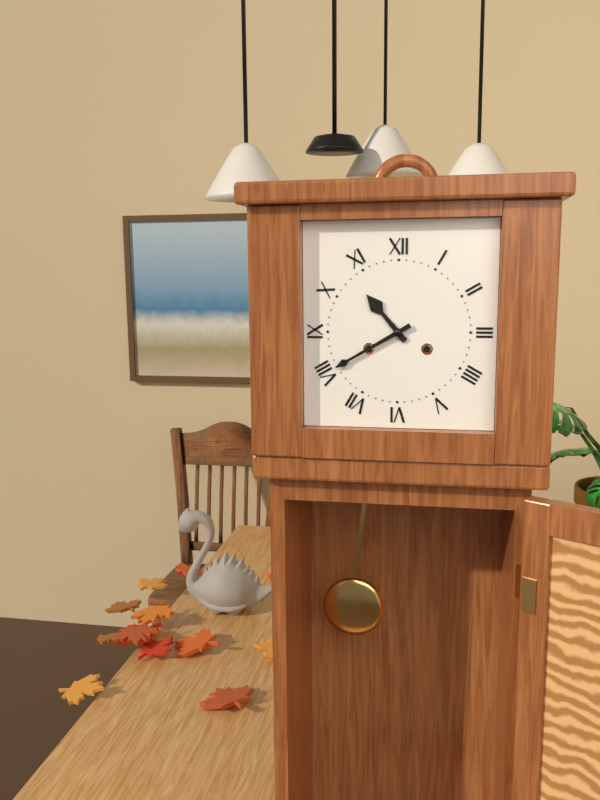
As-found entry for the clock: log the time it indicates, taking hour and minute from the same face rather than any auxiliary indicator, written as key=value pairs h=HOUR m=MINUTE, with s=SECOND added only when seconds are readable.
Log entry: h=10 m=40
